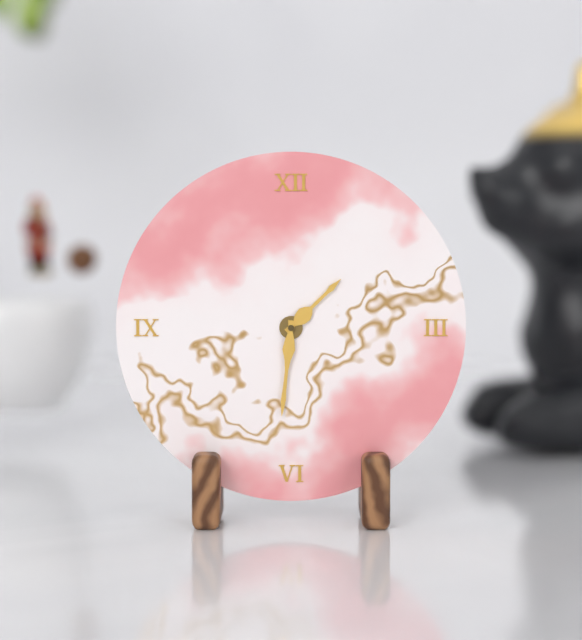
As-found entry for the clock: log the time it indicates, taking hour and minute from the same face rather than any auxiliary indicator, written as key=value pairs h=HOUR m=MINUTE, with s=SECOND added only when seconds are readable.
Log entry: h=1 m=31
